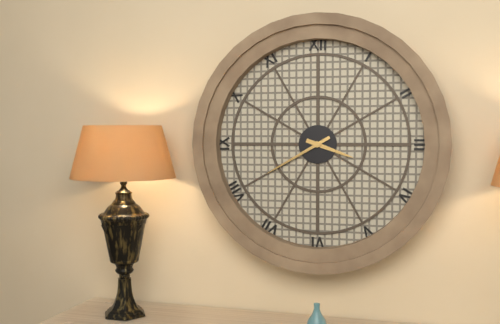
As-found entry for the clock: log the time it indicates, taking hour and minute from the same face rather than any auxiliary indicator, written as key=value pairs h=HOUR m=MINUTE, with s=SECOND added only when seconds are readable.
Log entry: h=3 m=40
